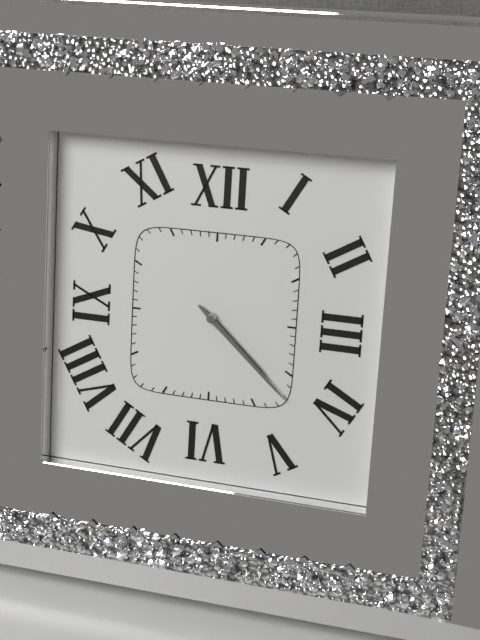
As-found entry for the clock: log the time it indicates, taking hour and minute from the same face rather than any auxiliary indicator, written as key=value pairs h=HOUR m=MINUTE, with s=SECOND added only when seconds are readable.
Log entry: h=4 m=22
